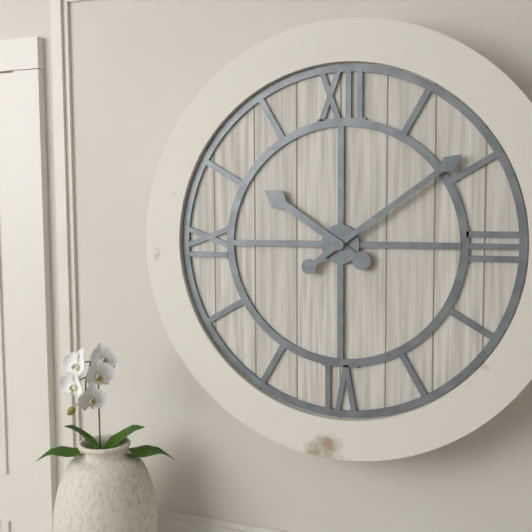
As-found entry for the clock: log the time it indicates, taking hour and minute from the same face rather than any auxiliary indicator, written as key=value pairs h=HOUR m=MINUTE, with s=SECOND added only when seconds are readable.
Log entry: h=10 m=9
